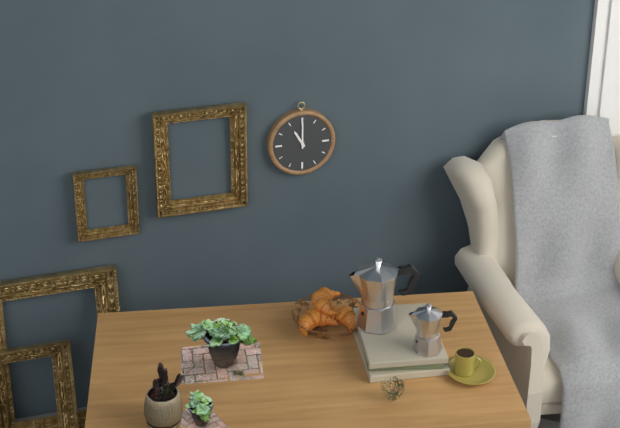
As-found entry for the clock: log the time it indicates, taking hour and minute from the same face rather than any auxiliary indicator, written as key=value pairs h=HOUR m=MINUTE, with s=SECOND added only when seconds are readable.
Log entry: h=11 m=0
